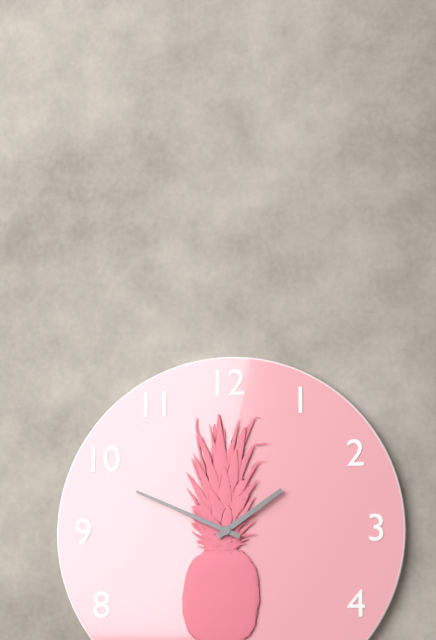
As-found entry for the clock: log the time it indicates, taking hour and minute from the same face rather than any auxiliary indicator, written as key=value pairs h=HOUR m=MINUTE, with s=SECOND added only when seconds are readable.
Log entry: h=1 m=49
